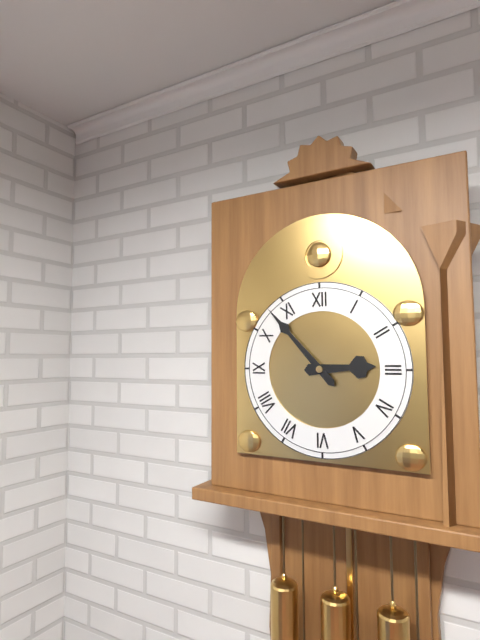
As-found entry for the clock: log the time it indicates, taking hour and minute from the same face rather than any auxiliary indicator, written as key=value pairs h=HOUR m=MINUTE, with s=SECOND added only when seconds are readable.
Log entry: h=2 m=53
